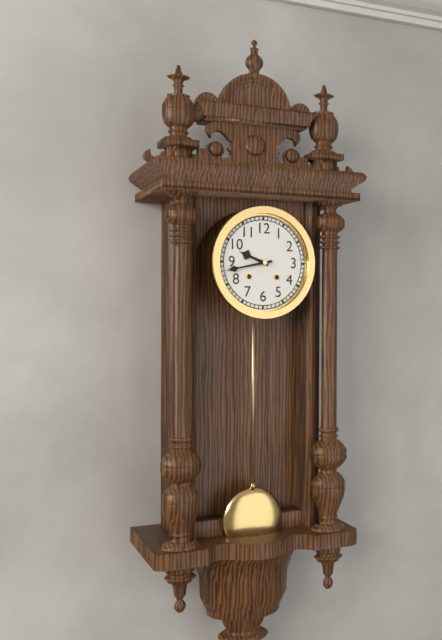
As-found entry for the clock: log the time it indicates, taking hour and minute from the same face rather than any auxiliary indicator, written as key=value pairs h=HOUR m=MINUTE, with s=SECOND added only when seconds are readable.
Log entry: h=9 m=43
